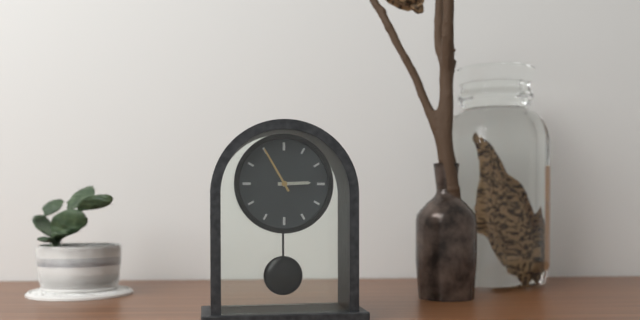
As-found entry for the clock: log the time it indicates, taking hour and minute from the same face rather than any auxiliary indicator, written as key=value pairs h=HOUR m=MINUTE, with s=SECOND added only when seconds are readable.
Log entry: h=2 m=55
